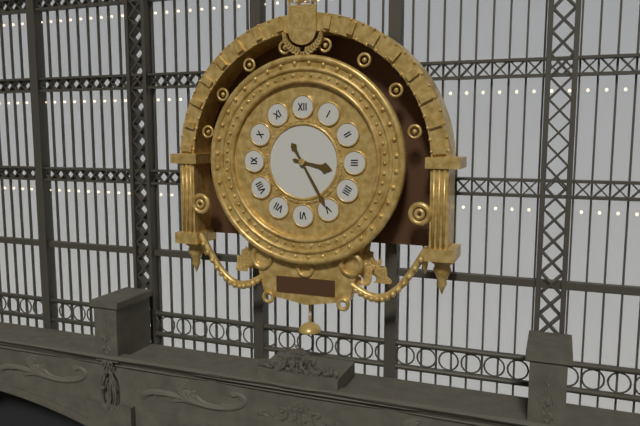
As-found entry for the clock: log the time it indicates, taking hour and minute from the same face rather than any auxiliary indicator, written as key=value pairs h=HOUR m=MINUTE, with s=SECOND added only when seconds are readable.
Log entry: h=3 m=25
